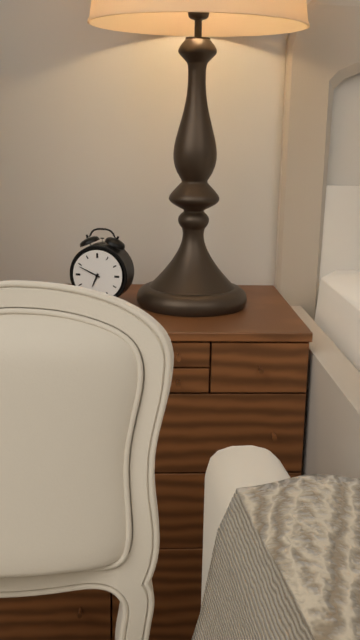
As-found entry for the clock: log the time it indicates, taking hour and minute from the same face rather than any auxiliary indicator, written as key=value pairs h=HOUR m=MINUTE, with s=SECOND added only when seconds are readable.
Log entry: h=6 m=49
